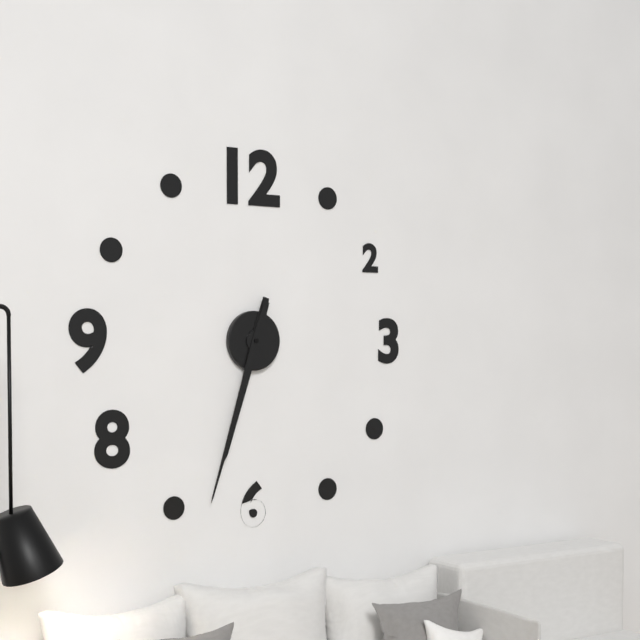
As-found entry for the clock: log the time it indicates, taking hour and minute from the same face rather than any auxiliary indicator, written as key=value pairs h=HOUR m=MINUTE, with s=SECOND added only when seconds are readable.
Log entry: h=6 m=33
